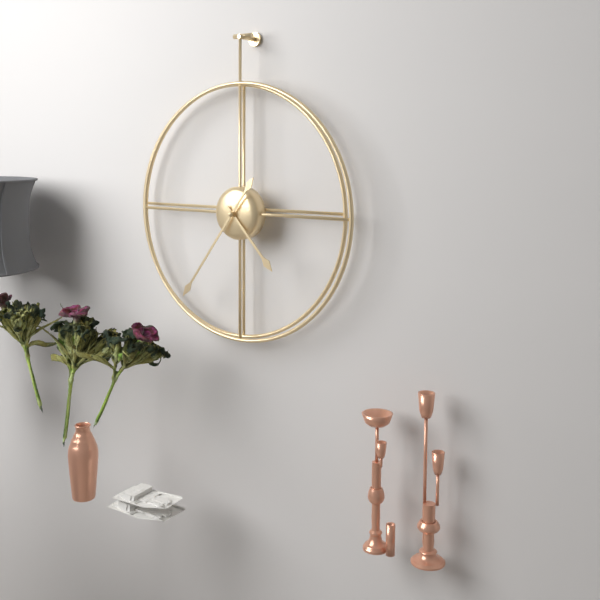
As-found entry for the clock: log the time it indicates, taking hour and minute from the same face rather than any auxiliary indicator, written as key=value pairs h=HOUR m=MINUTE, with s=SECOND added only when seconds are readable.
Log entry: h=4 m=36
